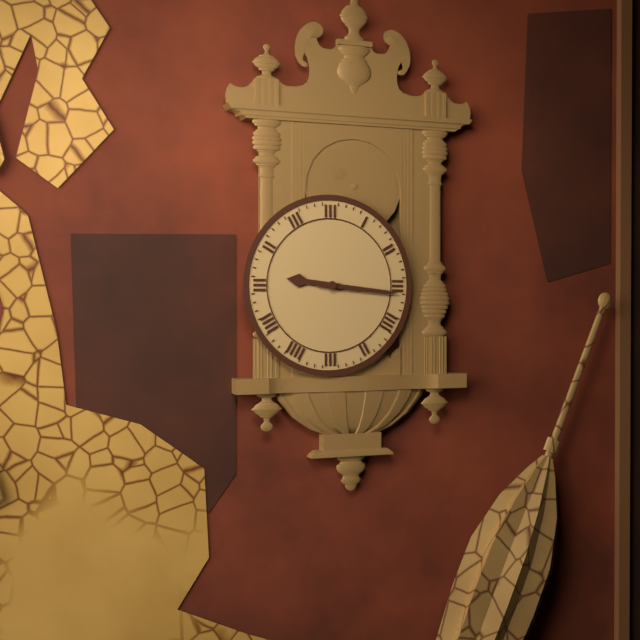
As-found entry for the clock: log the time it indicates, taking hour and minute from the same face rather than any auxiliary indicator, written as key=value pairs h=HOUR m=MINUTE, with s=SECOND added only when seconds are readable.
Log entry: h=9 m=16
